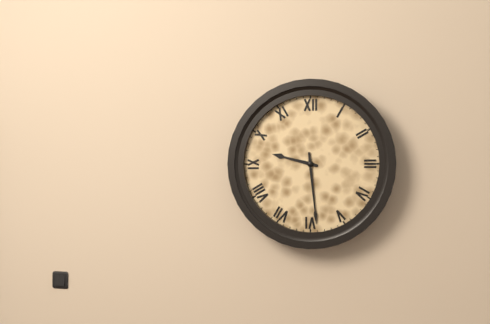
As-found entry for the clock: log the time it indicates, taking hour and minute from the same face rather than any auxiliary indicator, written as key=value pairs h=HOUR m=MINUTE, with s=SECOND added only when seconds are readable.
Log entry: h=9 m=29
